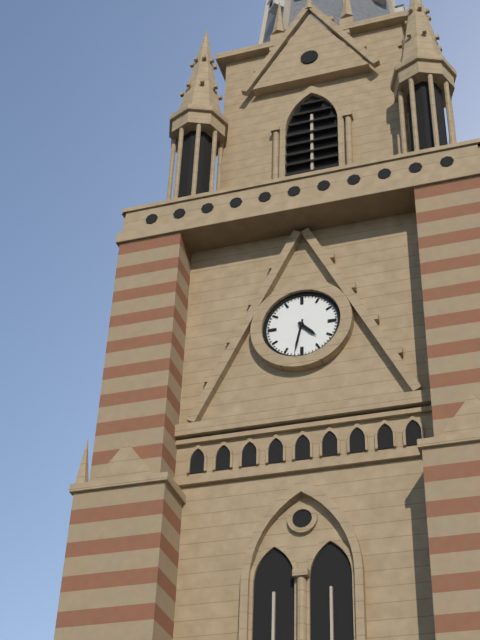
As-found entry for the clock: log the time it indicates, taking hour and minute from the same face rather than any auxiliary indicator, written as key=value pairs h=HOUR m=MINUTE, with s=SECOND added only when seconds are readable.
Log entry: h=4 m=32
